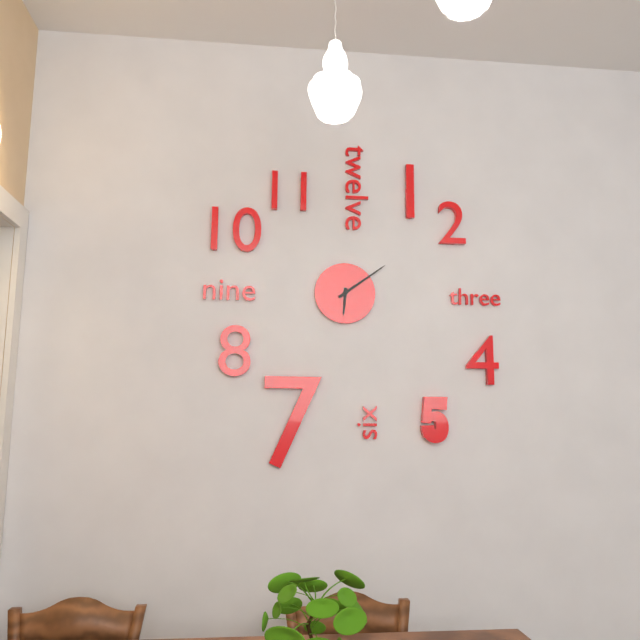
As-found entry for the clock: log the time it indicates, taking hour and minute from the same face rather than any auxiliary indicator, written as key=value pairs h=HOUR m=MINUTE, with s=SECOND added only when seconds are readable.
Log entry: h=6 m=9
